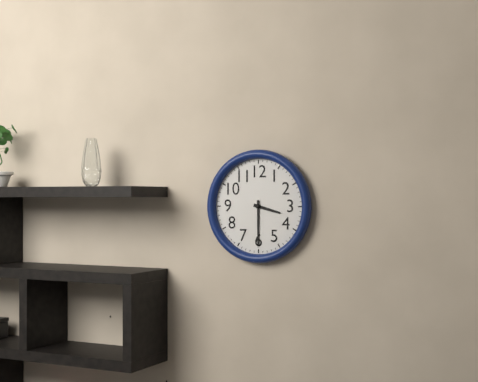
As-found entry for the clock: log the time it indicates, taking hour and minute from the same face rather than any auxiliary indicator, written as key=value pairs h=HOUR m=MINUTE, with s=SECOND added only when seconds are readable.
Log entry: h=3 m=30
